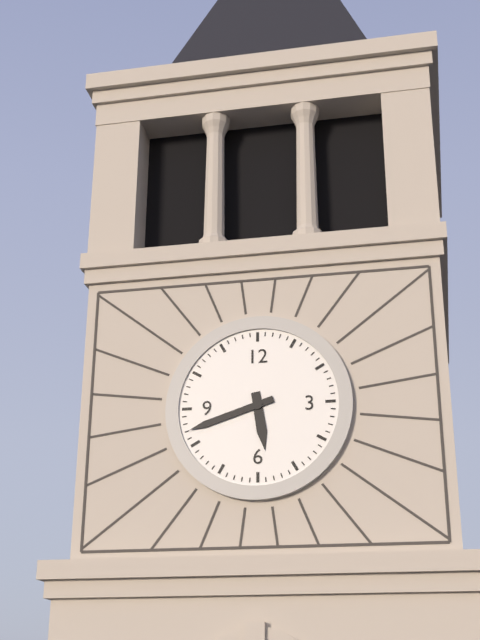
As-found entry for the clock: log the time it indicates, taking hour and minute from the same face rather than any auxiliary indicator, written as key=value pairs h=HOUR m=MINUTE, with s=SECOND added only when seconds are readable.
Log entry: h=5 m=42
